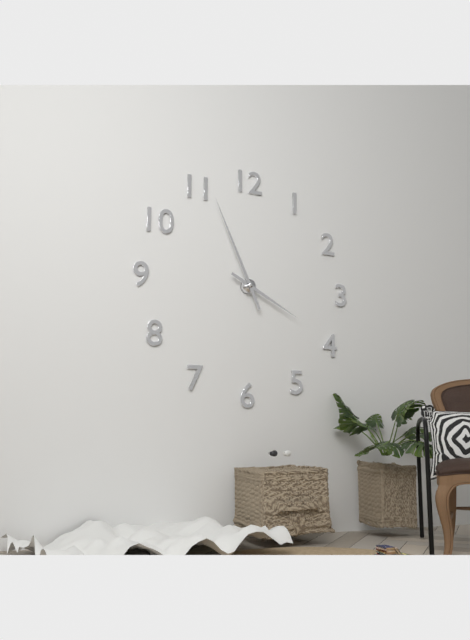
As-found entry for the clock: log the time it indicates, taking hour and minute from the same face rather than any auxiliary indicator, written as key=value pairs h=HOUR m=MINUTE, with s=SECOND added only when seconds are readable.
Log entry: h=3 m=56
